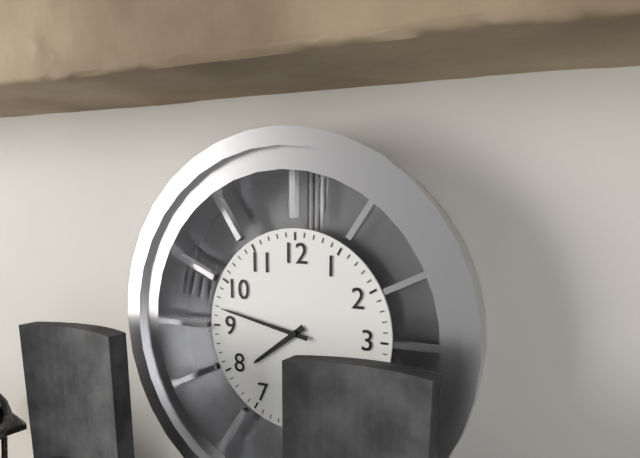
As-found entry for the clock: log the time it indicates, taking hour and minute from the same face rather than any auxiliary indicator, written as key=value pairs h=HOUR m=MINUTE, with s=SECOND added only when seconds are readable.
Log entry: h=7 m=47
